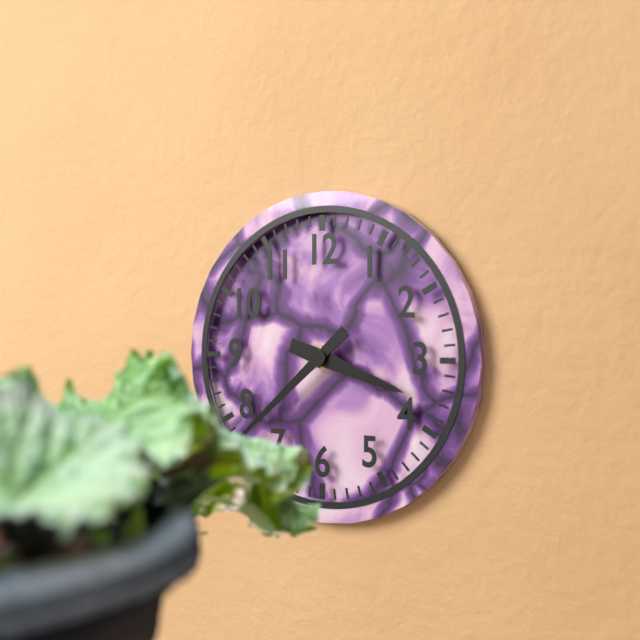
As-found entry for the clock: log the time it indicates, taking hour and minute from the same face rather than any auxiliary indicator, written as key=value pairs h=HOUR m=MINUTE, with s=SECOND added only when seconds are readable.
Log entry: h=3 m=38
